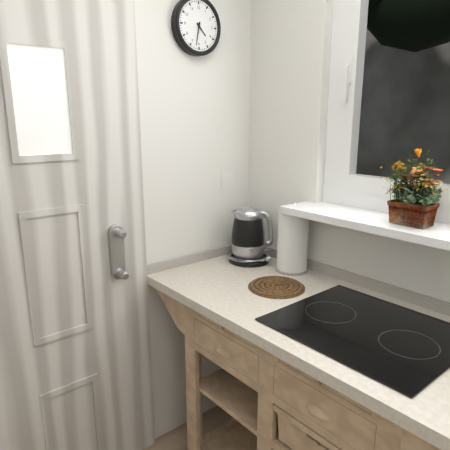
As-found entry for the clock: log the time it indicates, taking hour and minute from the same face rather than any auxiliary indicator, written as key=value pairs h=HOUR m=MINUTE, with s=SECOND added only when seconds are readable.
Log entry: h=4 m=32
